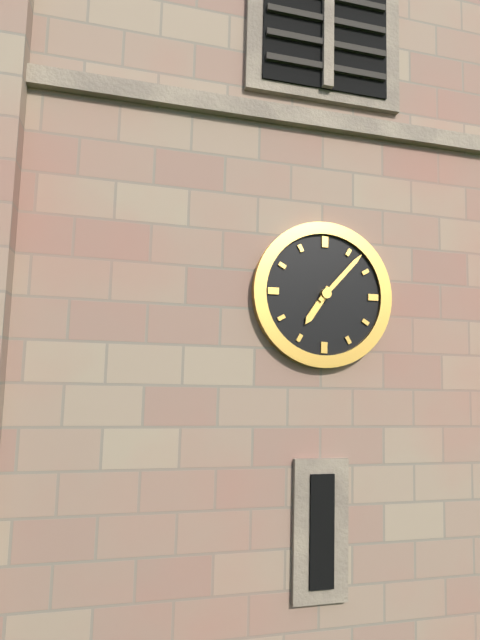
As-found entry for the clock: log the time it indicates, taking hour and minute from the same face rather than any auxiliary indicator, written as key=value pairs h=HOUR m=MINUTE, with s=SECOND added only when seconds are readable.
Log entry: h=7 m=7
